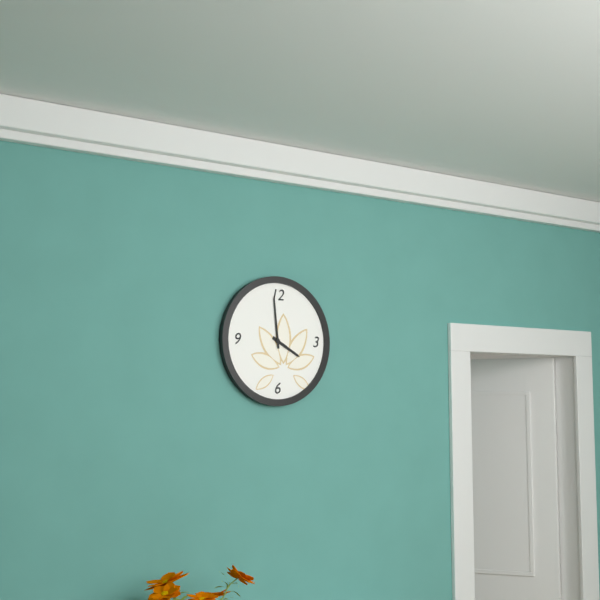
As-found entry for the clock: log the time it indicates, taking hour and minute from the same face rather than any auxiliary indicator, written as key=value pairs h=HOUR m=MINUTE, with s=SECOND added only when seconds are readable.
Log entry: h=3 m=59
